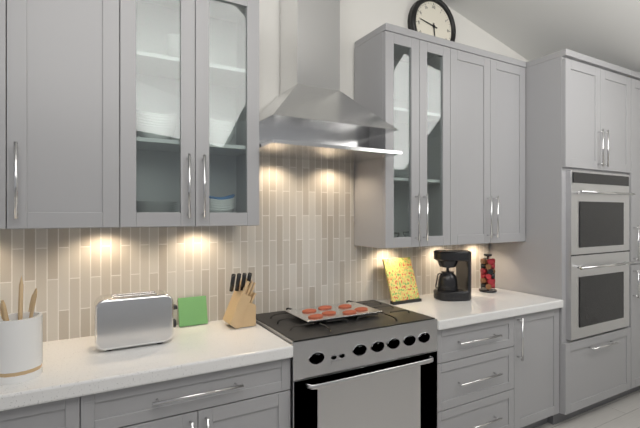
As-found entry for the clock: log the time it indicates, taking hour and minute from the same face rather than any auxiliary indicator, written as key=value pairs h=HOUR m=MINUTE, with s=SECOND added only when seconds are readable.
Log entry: h=5 m=47
